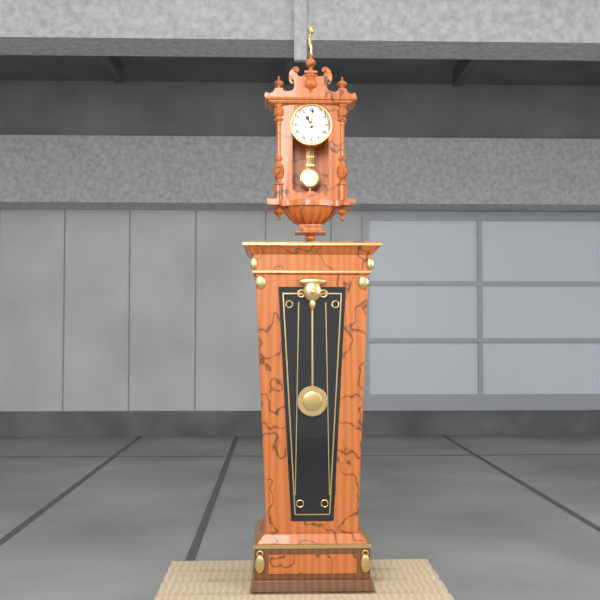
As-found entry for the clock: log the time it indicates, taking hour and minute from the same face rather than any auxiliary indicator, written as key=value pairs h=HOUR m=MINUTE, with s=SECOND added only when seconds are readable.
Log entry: h=11 m=1
